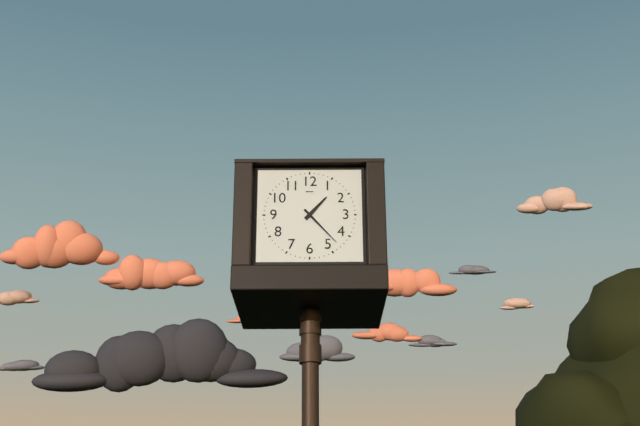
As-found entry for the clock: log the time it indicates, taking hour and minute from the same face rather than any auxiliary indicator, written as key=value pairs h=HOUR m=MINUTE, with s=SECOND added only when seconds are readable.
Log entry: h=1 m=23
